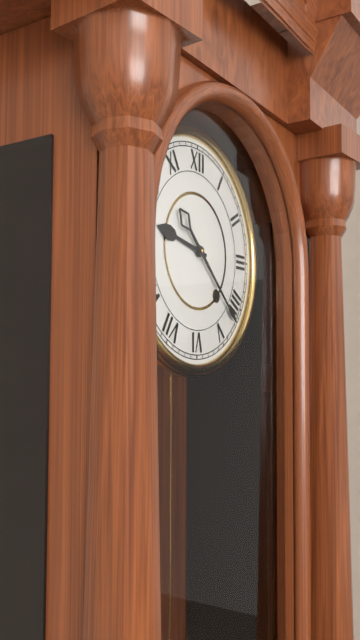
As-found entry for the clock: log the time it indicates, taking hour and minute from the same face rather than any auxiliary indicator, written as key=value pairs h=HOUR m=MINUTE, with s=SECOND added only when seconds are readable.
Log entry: h=9 m=22
